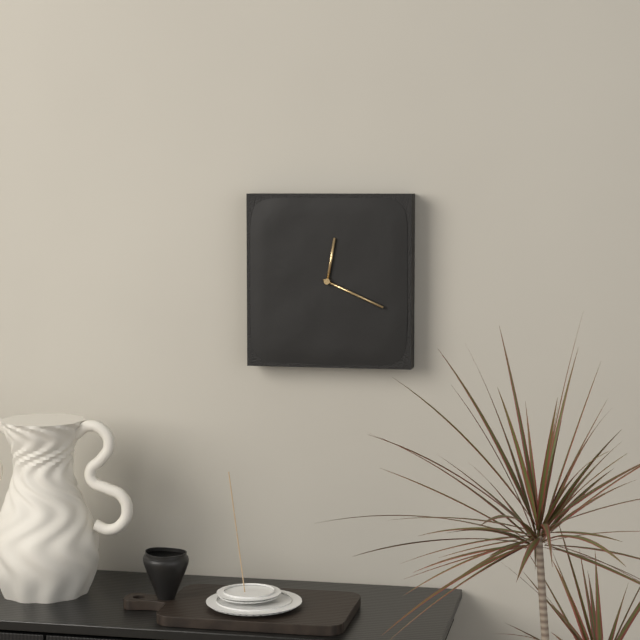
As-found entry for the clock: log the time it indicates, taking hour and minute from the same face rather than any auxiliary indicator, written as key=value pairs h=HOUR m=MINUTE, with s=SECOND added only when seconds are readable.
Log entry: h=12 m=19
